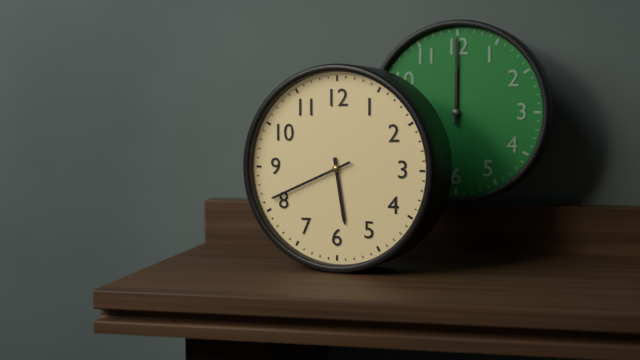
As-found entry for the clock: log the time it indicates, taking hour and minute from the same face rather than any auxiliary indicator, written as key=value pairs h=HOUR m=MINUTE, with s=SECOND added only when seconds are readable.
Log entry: h=5 m=41
